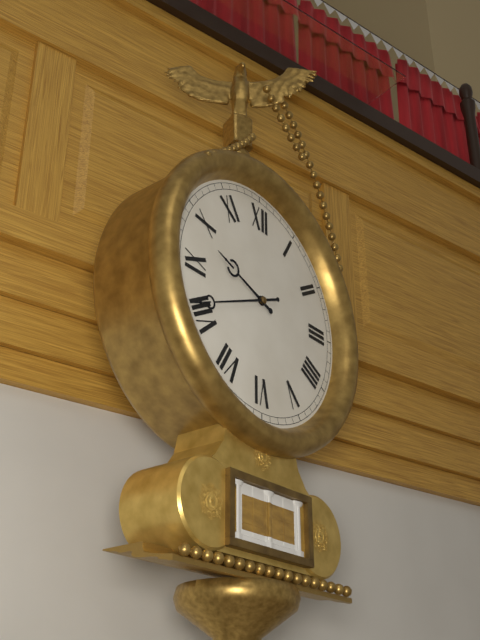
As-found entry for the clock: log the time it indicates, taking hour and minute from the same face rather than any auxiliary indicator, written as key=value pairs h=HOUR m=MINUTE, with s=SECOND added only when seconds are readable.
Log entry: h=9 m=41
